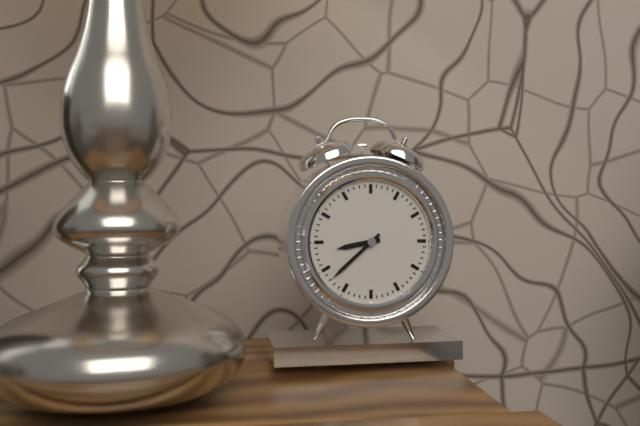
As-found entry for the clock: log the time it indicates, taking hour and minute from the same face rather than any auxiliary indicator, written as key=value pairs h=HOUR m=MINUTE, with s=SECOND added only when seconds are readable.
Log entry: h=8 m=38
